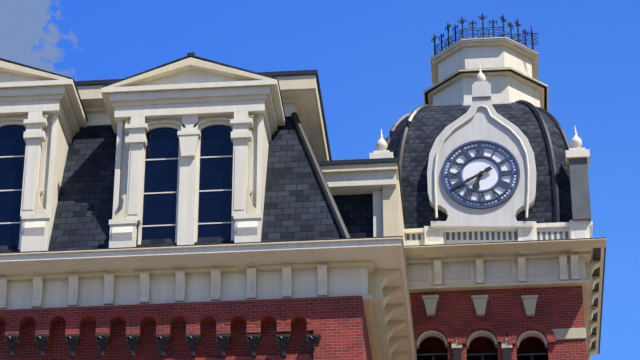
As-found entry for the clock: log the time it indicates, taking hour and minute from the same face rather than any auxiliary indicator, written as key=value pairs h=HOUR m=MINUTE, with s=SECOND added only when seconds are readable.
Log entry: h=6 m=40
